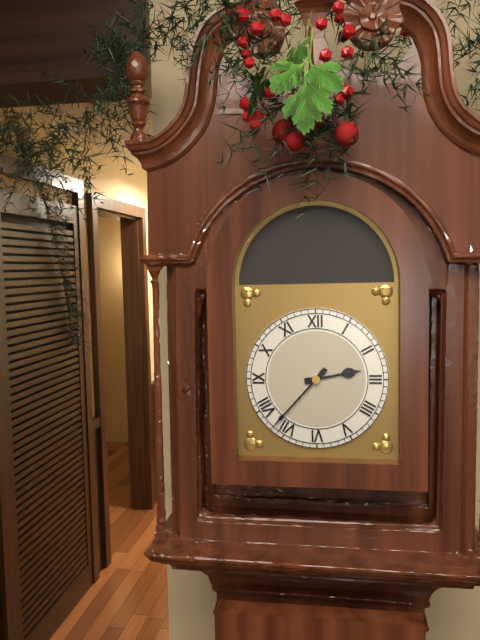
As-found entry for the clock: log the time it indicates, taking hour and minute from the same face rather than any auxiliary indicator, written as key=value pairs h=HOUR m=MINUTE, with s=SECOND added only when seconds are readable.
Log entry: h=2 m=37
